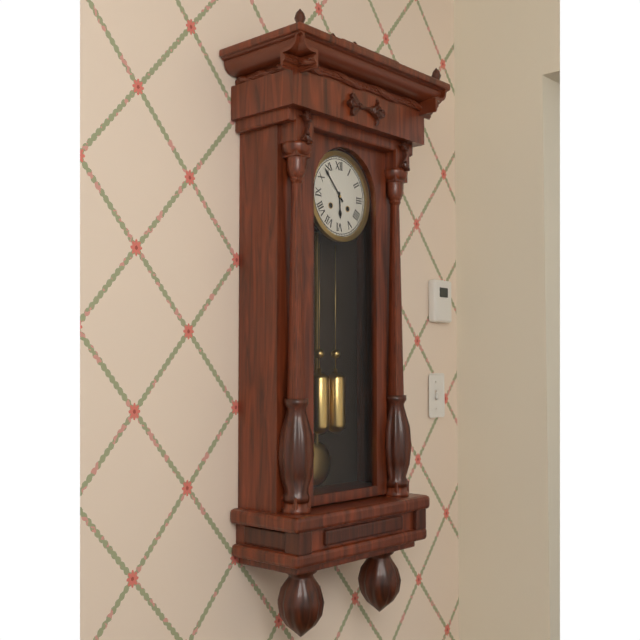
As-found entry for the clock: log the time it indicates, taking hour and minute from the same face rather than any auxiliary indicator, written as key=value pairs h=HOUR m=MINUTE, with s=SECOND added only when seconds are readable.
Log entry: h=5 m=53
